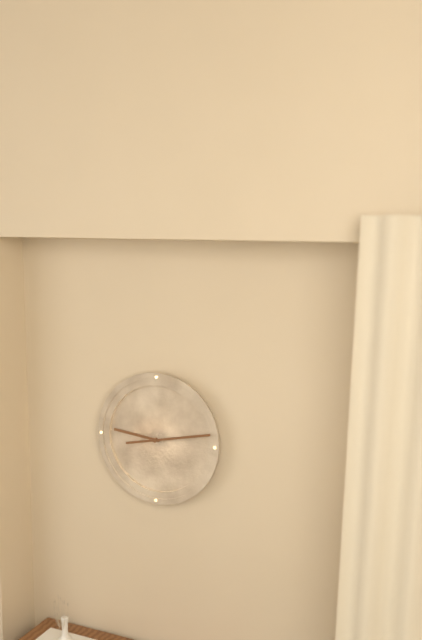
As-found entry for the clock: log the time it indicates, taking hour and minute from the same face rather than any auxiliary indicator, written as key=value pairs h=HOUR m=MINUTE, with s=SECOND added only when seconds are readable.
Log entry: h=9 m=13
